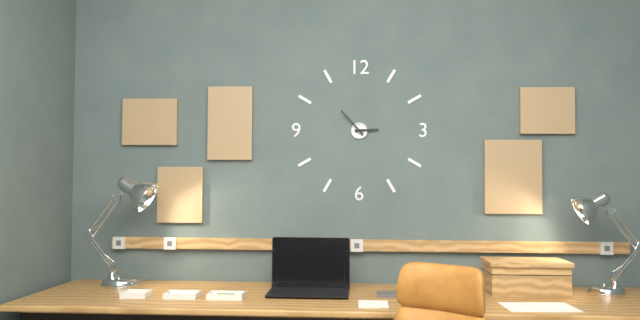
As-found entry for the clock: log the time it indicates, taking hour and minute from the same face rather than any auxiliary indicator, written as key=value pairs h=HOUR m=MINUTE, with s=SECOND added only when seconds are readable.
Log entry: h=2 m=53
